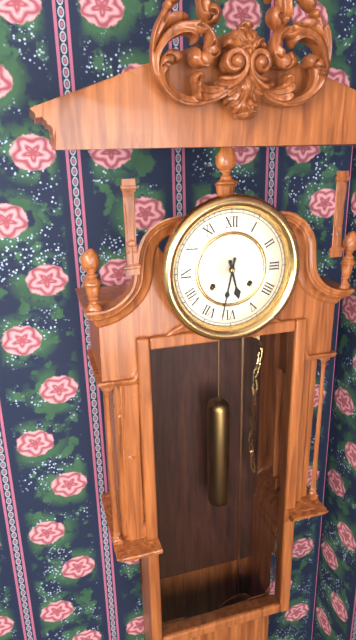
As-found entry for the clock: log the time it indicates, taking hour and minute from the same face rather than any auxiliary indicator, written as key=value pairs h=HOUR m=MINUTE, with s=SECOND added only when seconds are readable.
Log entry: h=5 m=32
